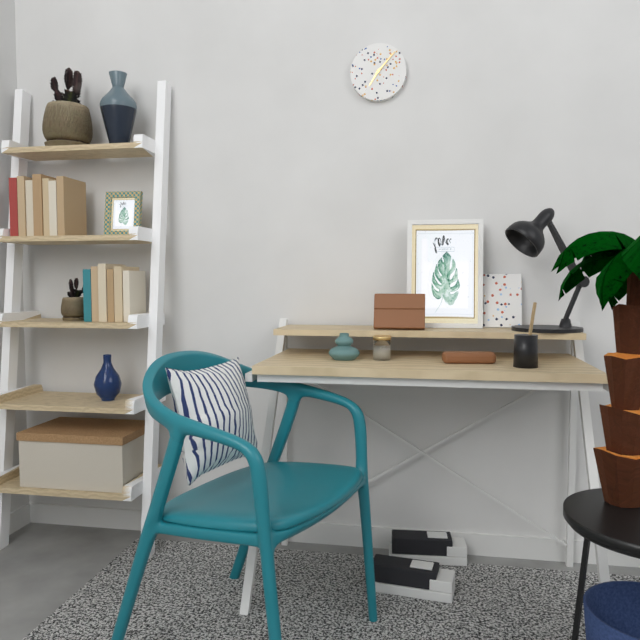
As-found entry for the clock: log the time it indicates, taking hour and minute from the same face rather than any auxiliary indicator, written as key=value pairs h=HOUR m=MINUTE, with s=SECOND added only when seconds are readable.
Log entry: h=7 m=7
